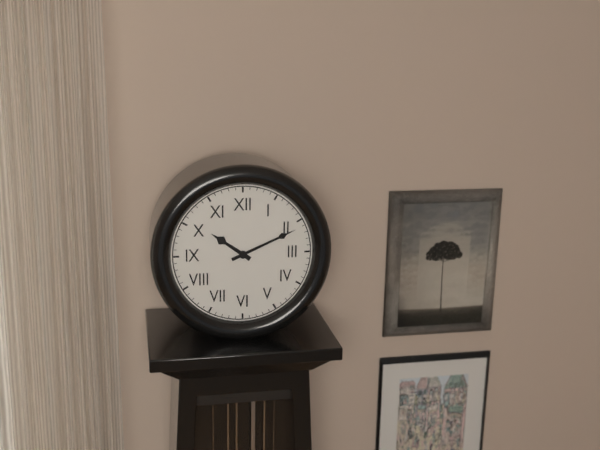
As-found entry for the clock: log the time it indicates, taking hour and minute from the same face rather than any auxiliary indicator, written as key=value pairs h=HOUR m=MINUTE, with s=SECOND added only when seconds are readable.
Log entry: h=10 m=11
